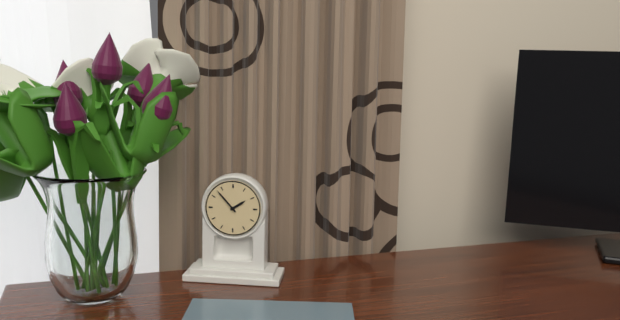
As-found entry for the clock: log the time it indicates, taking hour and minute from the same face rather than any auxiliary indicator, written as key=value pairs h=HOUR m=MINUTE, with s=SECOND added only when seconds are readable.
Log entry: h=1 m=53
